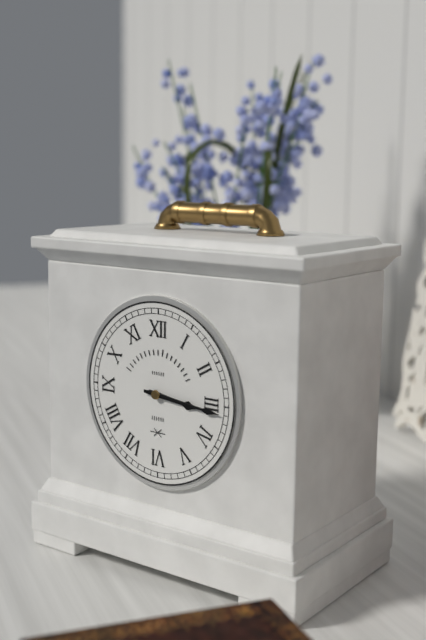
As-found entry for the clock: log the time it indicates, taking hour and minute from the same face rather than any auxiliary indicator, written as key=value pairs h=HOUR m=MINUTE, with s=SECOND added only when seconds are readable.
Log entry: h=3 m=16
